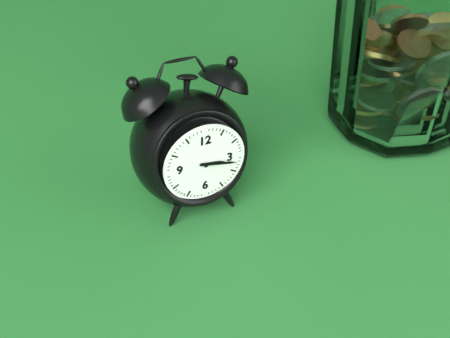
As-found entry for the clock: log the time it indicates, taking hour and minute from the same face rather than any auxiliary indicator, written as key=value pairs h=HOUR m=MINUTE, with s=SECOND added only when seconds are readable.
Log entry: h=3 m=17
